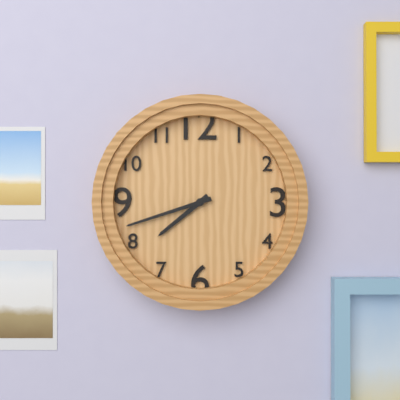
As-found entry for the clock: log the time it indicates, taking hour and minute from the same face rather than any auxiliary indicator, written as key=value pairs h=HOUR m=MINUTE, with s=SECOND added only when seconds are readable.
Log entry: h=7 m=42
